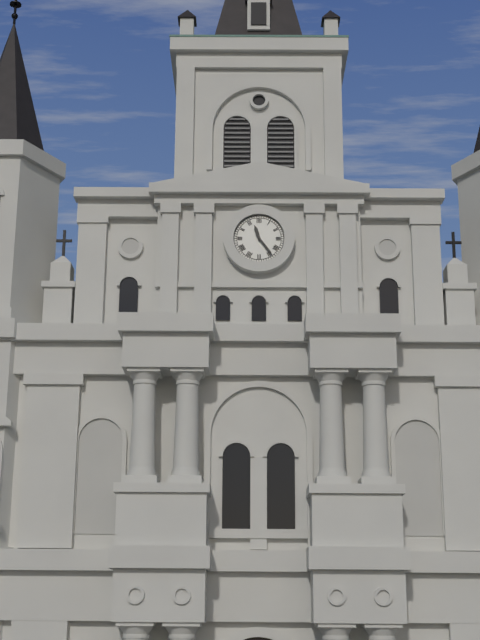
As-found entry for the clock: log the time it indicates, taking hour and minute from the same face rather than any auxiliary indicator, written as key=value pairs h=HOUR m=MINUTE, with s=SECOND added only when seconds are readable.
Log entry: h=11 m=24
